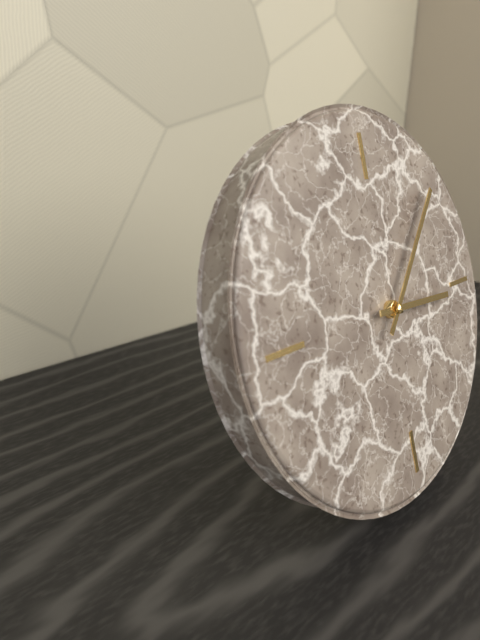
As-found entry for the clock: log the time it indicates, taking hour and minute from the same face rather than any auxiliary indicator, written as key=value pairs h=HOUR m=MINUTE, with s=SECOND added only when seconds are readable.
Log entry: h=3 m=7
